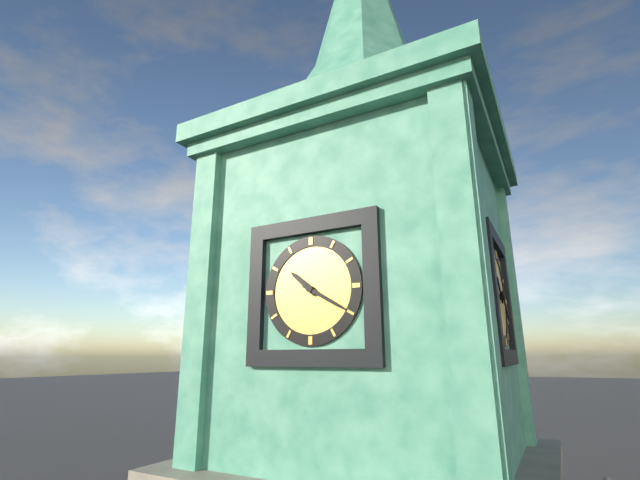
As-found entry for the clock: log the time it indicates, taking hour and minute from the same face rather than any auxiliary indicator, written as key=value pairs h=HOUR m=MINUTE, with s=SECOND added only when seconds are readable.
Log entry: h=10 m=20
